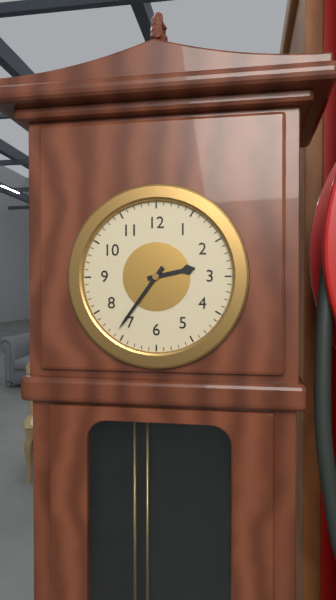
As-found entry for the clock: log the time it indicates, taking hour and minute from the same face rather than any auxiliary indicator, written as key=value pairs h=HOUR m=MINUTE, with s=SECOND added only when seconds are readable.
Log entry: h=2 m=36
